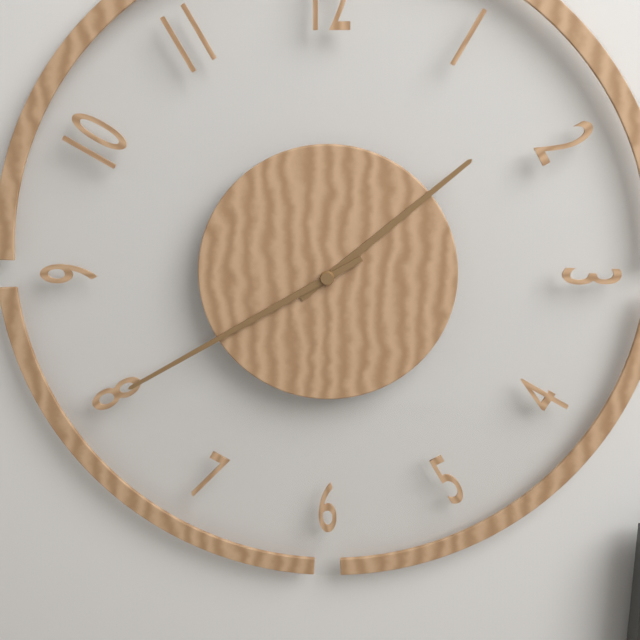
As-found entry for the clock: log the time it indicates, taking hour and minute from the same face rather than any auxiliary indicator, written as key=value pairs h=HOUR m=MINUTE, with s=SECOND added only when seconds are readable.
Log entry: h=1 m=40
